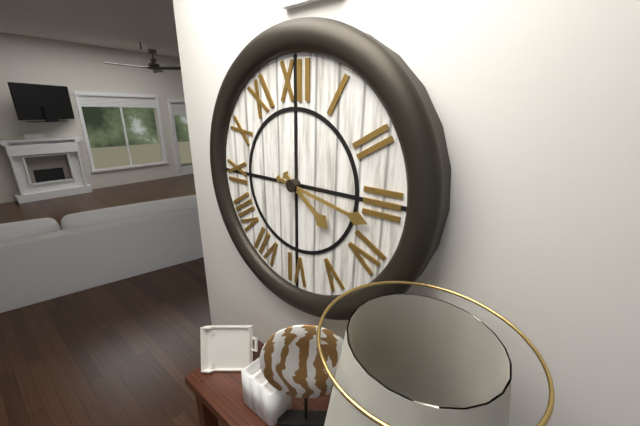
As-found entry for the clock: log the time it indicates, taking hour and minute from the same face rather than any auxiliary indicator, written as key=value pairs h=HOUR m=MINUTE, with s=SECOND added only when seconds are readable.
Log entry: h=4 m=17
